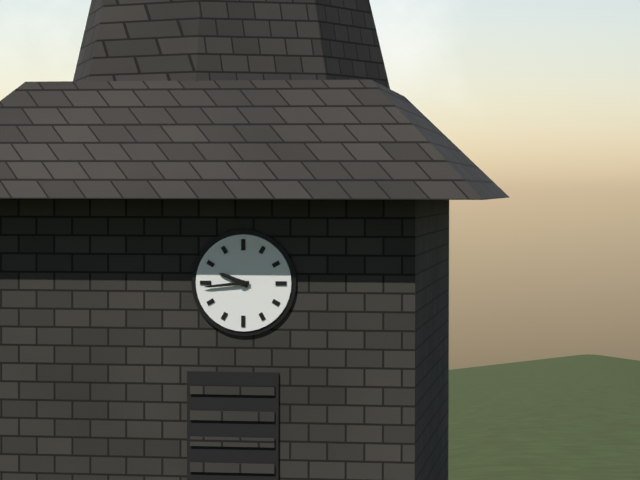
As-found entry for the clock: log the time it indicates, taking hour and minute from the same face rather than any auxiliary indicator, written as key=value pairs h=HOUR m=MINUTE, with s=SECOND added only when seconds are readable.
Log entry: h=9 m=44
